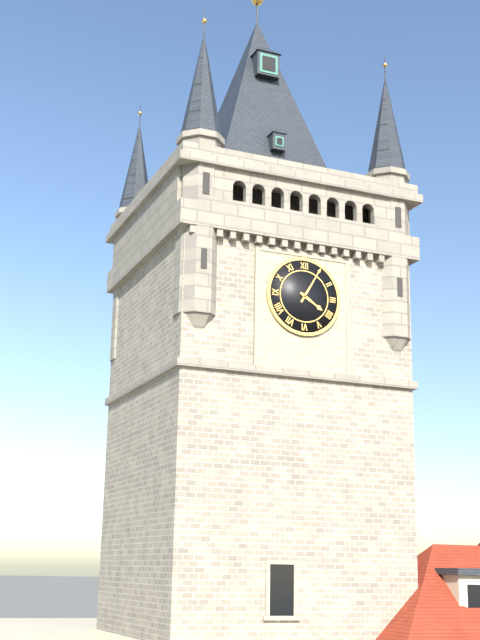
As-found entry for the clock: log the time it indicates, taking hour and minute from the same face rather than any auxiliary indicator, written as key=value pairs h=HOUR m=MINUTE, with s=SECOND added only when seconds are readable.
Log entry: h=4 m=5
